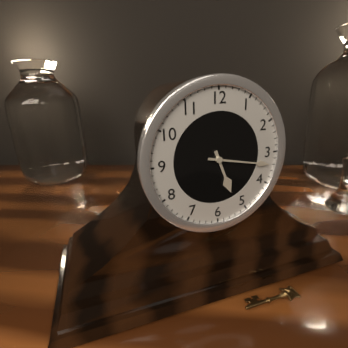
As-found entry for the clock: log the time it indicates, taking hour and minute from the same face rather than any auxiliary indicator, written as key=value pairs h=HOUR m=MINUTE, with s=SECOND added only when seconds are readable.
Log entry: h=5 m=17
